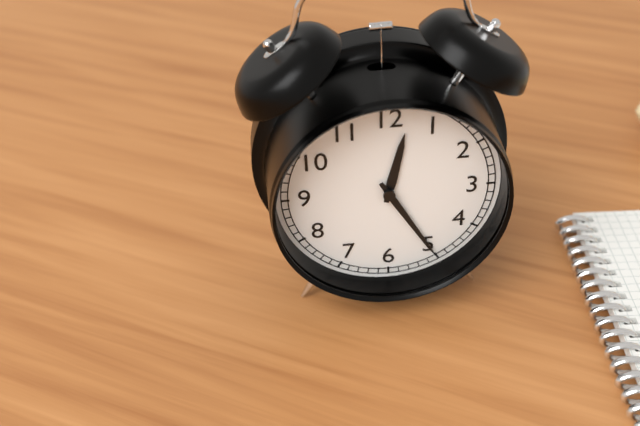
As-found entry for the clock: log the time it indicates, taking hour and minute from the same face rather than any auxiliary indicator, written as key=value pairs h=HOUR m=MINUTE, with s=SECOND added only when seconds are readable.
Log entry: h=12 m=25
